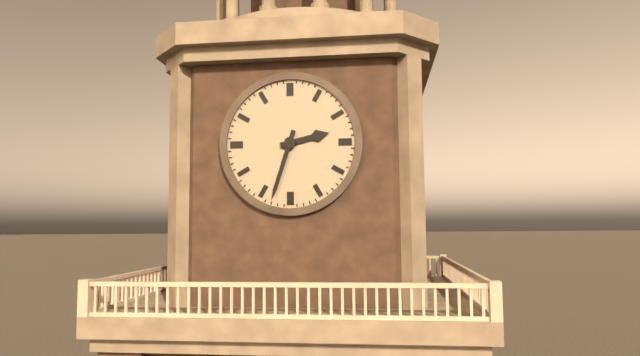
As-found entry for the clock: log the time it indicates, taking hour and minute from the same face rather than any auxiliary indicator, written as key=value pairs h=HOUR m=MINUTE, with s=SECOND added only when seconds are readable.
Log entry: h=2 m=33
